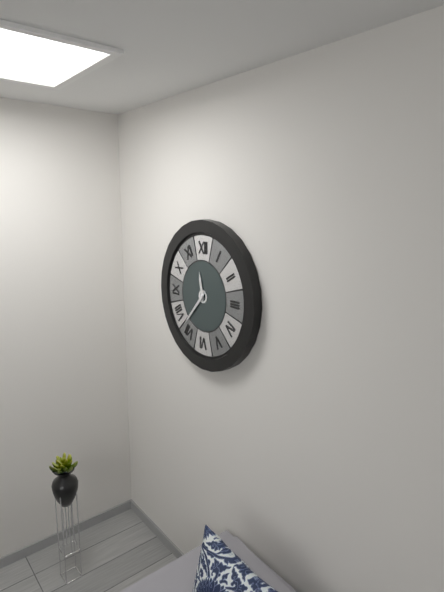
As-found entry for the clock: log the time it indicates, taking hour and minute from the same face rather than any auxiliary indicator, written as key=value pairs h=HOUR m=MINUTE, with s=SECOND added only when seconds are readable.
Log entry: h=11 m=37
